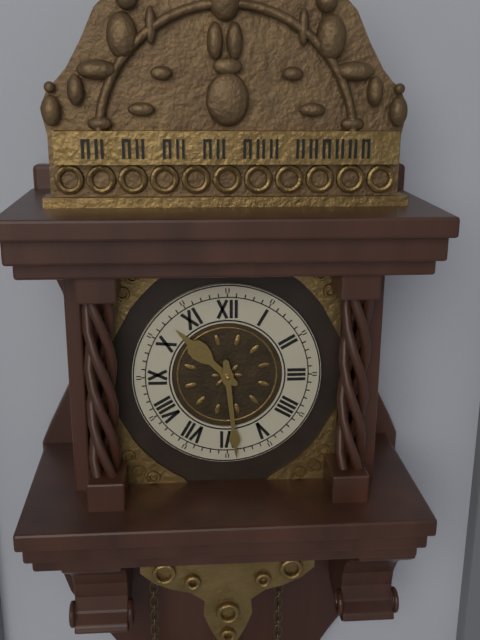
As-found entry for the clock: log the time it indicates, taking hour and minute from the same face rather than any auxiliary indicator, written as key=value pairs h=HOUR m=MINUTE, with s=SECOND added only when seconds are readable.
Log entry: h=10 m=29
